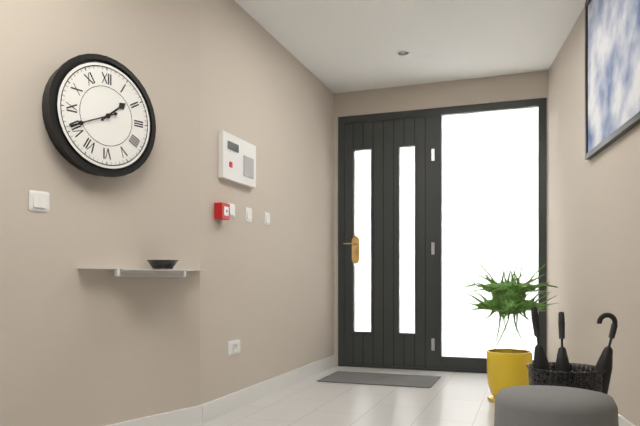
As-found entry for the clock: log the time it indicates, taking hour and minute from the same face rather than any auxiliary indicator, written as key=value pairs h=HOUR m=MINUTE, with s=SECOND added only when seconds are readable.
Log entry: h=1 m=41
